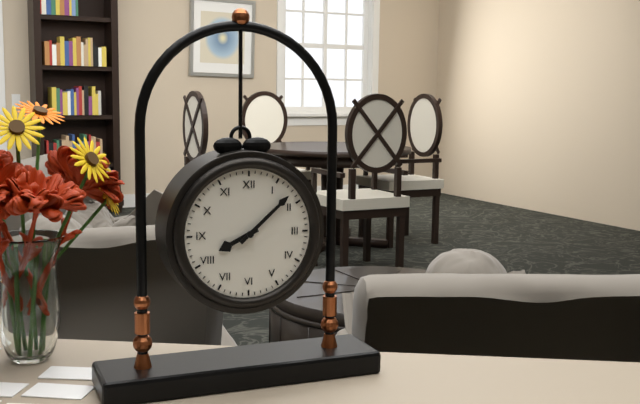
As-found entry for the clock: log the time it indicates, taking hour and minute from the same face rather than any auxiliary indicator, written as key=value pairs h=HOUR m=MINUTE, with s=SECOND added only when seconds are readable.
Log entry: h=8 m=8
